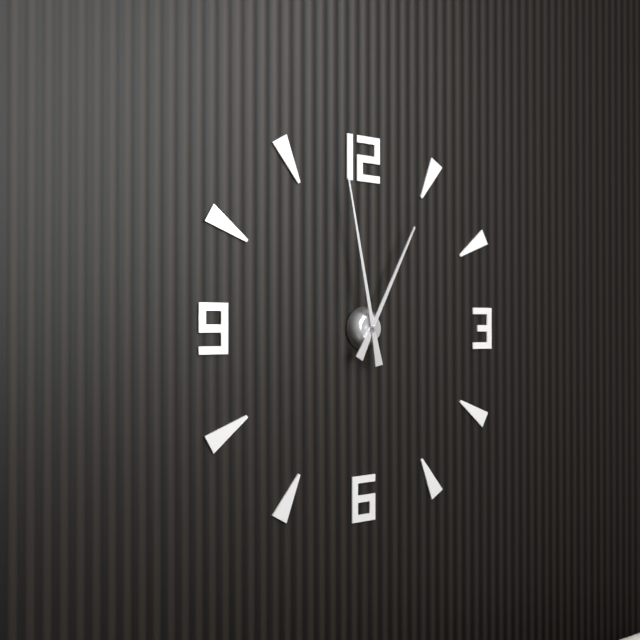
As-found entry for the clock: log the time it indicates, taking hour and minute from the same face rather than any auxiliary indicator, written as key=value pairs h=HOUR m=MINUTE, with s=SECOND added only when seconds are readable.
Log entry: h=12 m=58
